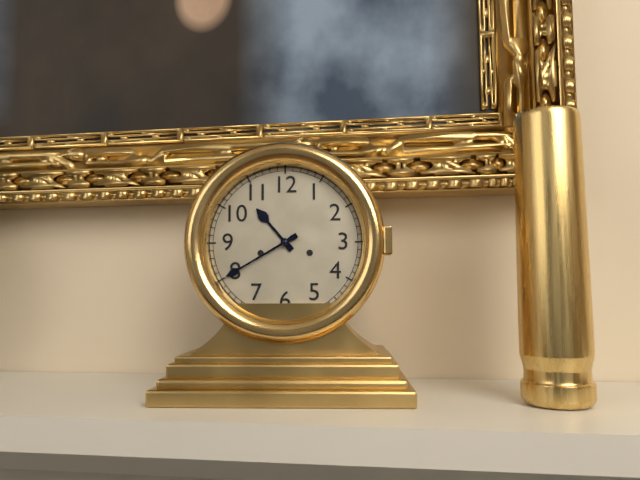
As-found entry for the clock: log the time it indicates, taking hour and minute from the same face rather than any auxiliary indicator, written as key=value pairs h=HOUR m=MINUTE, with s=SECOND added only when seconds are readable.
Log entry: h=10 m=40
